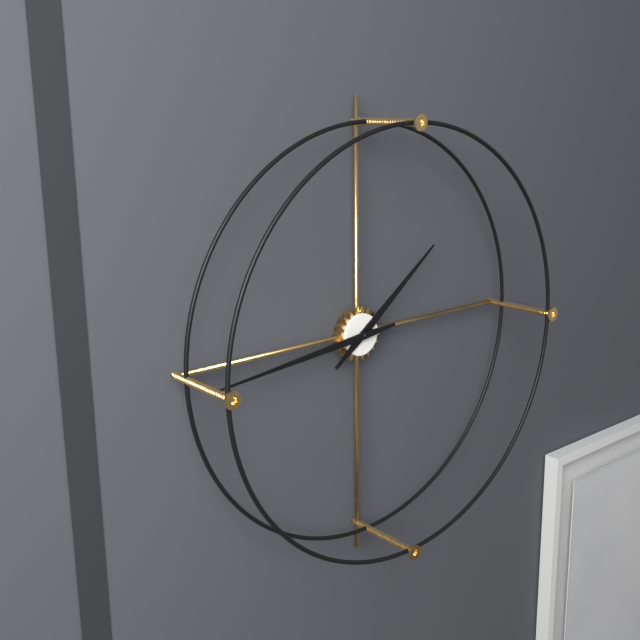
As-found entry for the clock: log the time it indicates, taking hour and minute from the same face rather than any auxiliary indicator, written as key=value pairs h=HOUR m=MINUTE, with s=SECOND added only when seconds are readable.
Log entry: h=1 m=44
